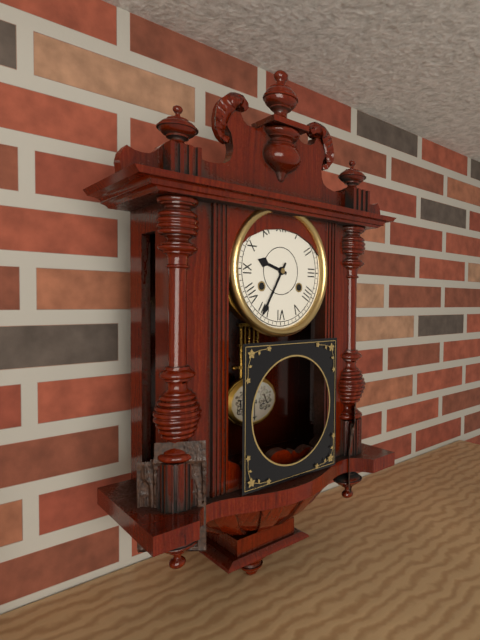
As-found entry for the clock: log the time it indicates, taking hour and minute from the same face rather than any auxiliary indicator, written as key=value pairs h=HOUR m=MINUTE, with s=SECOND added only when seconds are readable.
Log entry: h=9 m=35
